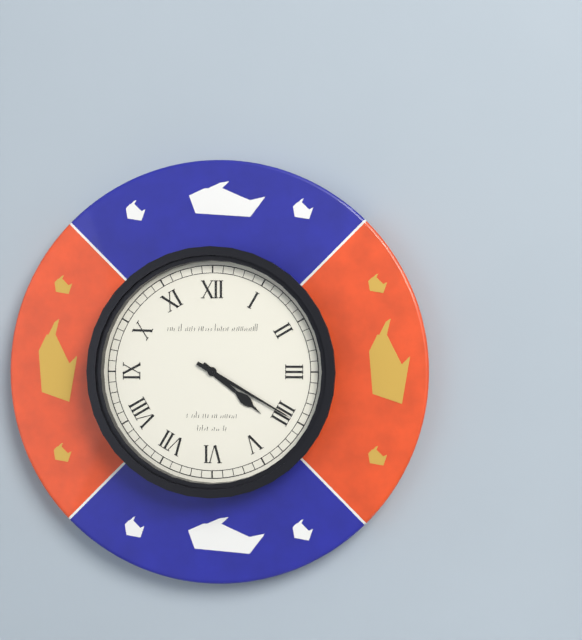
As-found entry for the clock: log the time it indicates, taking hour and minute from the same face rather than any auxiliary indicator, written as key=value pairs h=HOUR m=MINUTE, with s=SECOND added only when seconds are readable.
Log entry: h=4 m=20
